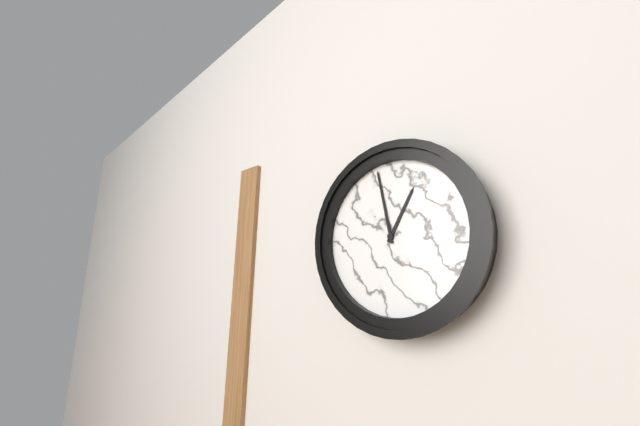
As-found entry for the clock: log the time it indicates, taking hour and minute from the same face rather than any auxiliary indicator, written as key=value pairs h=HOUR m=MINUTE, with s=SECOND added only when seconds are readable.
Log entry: h=12 m=58
